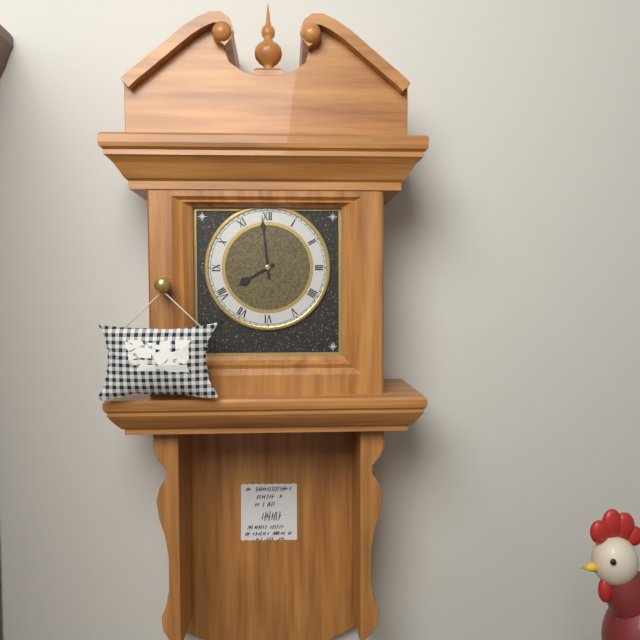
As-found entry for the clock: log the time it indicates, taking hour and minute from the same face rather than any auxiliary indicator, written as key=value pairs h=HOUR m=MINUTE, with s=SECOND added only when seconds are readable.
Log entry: h=7 m=59
